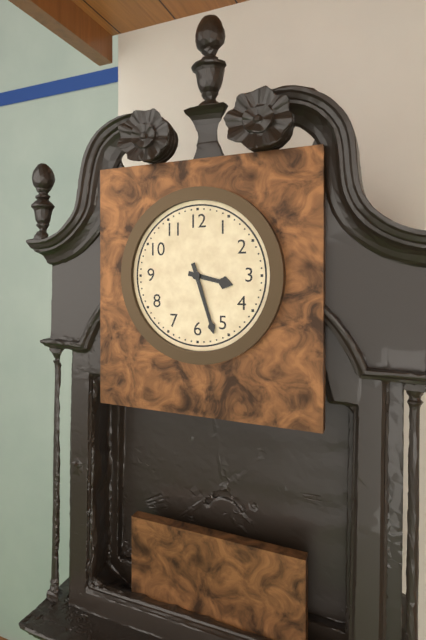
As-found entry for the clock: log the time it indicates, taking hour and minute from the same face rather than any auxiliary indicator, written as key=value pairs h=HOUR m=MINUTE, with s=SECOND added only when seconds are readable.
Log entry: h=3 m=27
